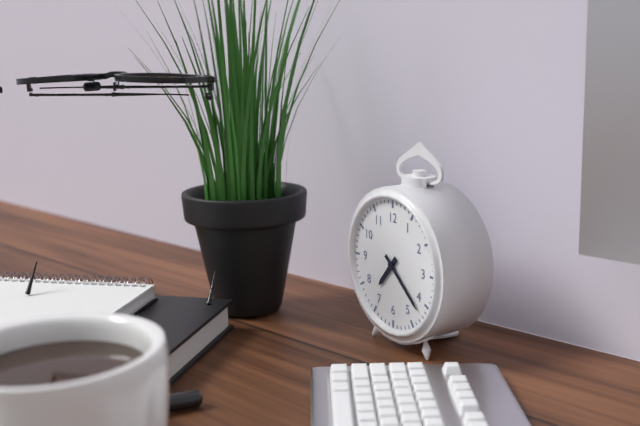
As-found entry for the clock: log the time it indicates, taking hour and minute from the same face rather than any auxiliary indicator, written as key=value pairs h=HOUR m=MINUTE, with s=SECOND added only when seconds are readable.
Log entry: h=7 m=22
